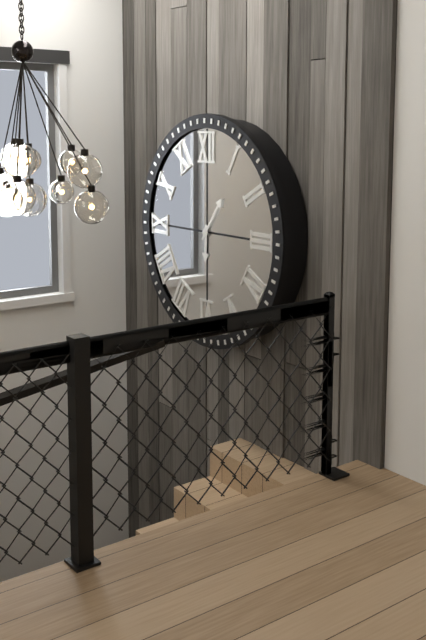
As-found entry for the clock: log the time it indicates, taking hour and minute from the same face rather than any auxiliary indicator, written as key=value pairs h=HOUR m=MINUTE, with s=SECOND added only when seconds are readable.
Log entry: h=6 m=6
